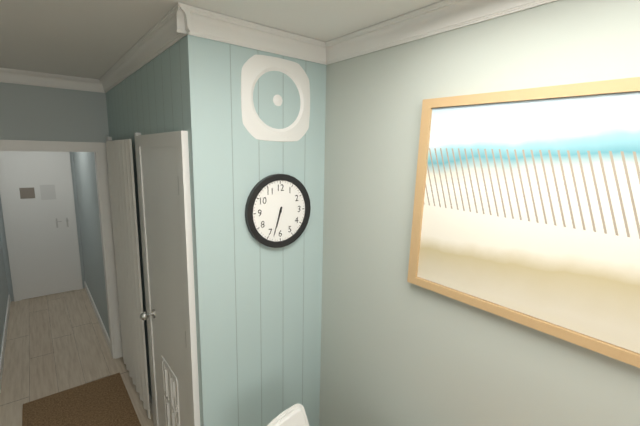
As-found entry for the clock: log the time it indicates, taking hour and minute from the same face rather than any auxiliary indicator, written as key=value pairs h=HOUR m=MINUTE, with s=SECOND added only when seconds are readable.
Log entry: h=6 m=33
